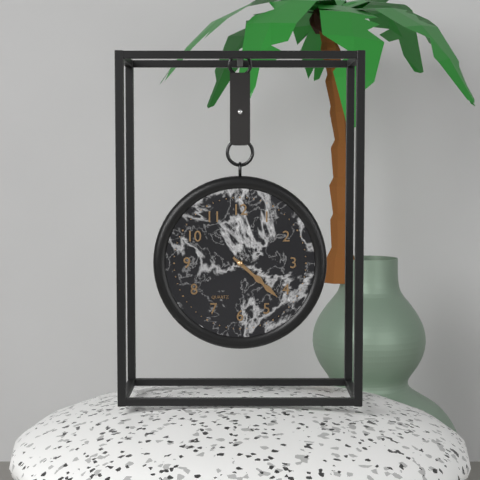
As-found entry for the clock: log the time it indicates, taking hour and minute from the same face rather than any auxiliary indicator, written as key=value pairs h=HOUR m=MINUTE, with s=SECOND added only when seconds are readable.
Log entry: h=4 m=22
